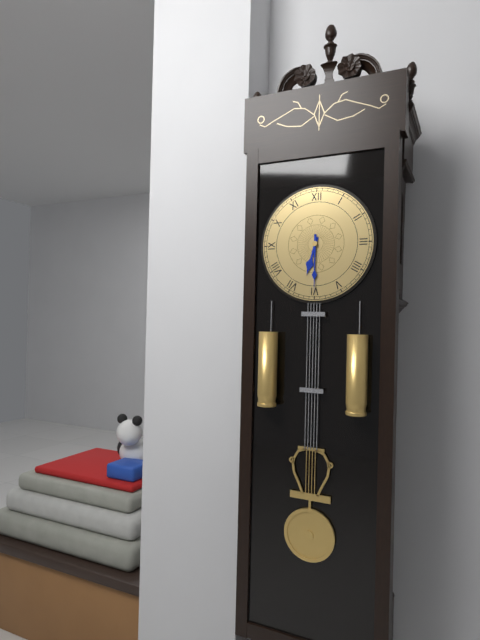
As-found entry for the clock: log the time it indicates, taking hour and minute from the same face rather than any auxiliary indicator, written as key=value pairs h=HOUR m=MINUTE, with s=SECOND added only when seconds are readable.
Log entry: h=6 m=30
